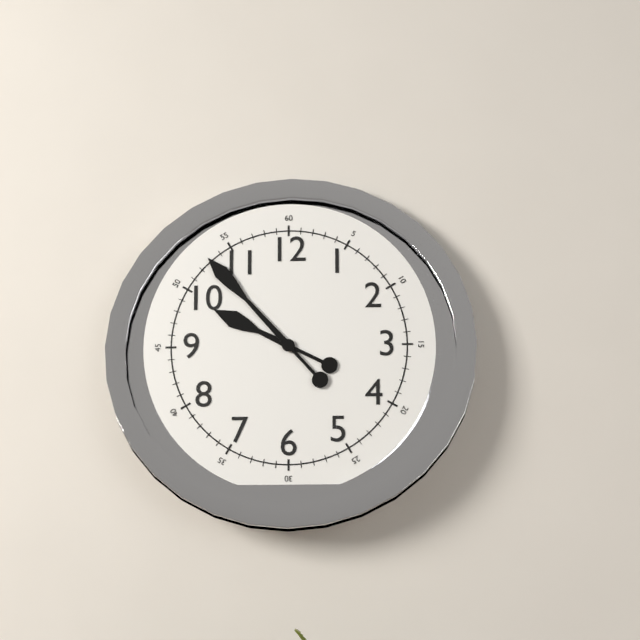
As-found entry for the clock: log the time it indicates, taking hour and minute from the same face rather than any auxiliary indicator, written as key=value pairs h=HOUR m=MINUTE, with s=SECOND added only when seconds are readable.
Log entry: h=9 m=53
